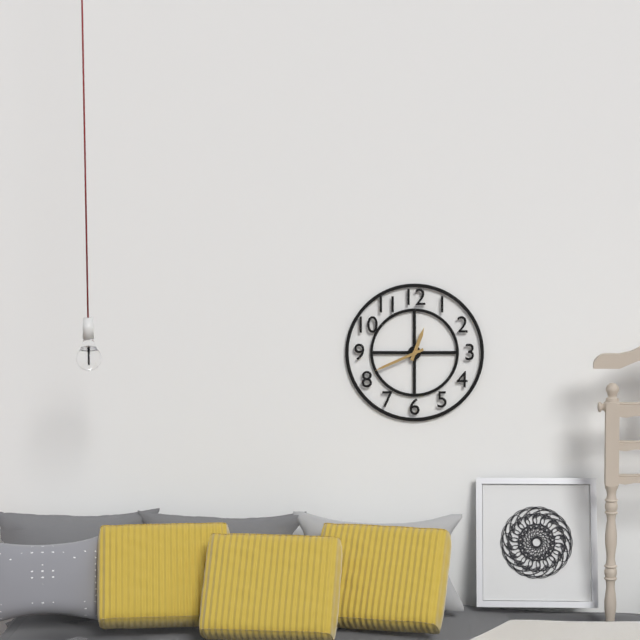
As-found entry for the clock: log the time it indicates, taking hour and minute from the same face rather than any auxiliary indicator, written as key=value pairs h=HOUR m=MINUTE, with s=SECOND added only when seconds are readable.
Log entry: h=12 m=41
